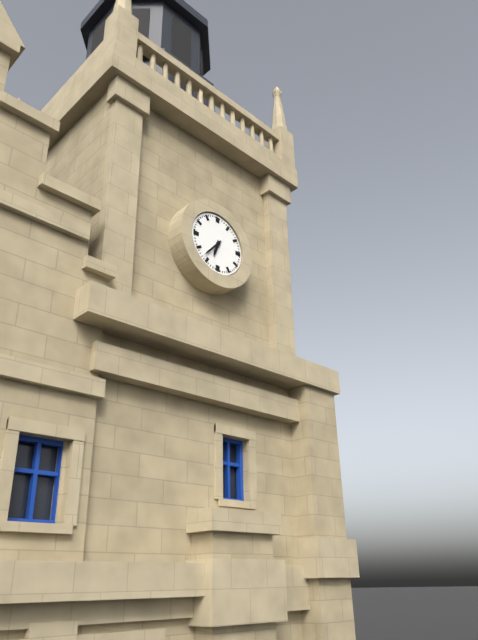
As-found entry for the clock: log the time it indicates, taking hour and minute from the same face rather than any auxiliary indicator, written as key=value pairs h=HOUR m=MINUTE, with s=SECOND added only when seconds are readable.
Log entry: h=6 m=37
